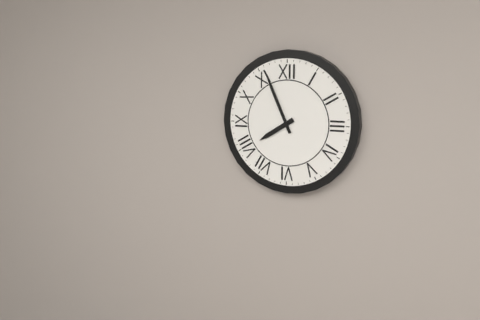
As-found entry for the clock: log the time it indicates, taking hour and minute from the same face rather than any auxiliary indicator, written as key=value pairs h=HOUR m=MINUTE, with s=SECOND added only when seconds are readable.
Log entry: h=7 m=56
